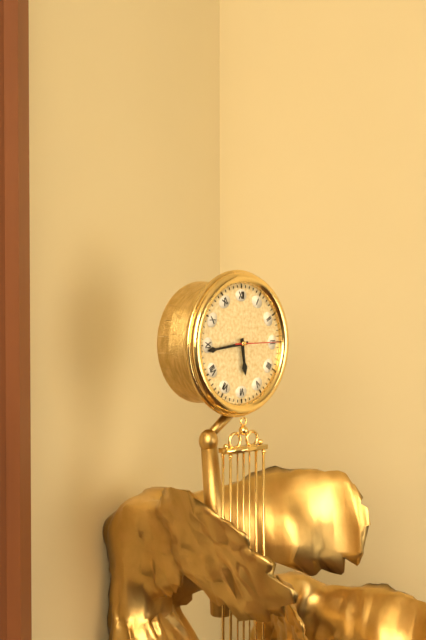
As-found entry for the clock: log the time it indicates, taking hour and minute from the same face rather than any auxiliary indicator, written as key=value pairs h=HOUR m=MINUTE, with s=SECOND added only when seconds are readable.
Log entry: h=5 m=44
